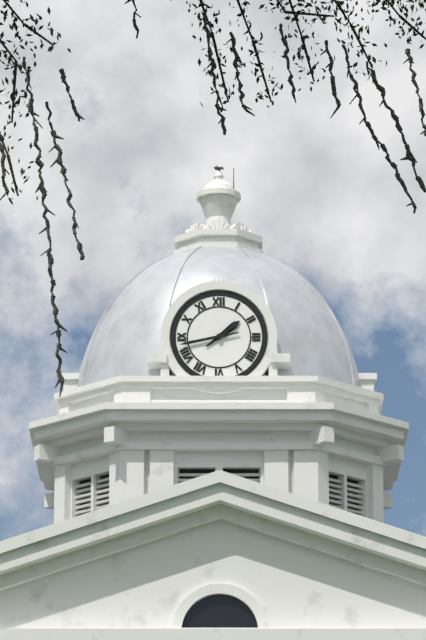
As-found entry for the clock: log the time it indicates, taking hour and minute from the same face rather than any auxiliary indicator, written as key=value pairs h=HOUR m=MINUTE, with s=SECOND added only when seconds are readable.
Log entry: h=1 m=43
